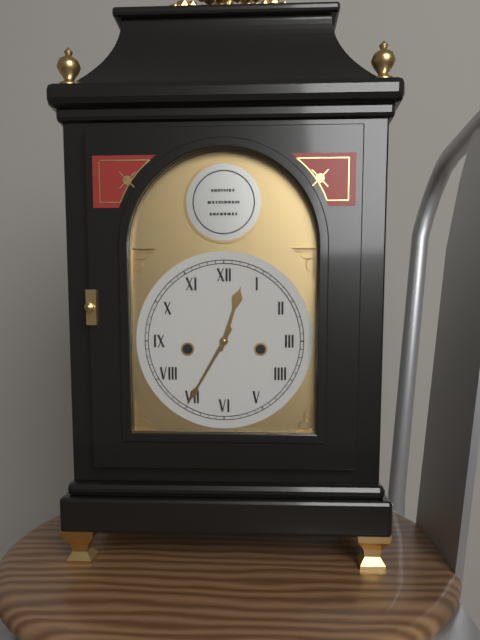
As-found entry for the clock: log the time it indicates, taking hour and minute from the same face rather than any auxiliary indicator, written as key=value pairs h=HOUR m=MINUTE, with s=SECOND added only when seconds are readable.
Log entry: h=12 m=35
